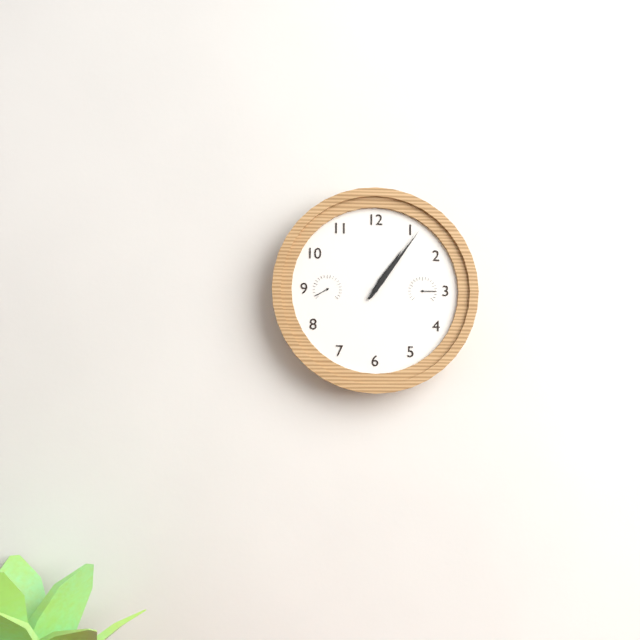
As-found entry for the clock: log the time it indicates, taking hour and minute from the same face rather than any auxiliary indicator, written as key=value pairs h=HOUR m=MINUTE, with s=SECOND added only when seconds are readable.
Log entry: h=1 m=6
